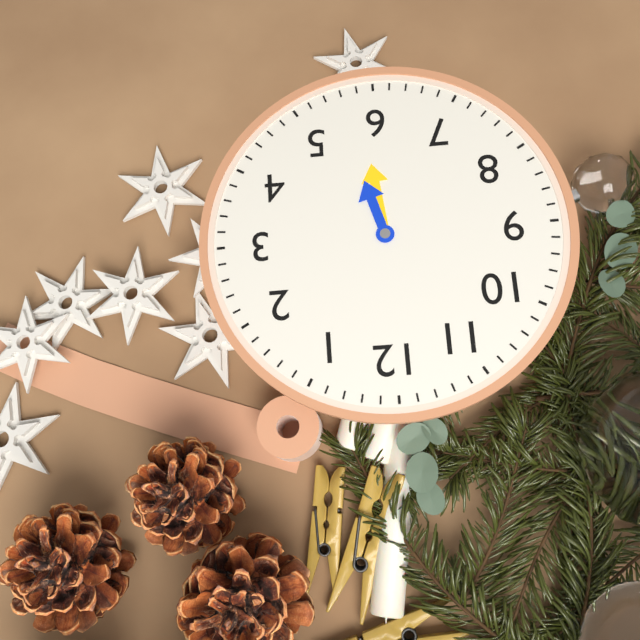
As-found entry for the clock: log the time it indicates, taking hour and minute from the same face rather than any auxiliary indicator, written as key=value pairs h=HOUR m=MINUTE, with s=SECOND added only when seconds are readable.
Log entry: h=5 m=29
